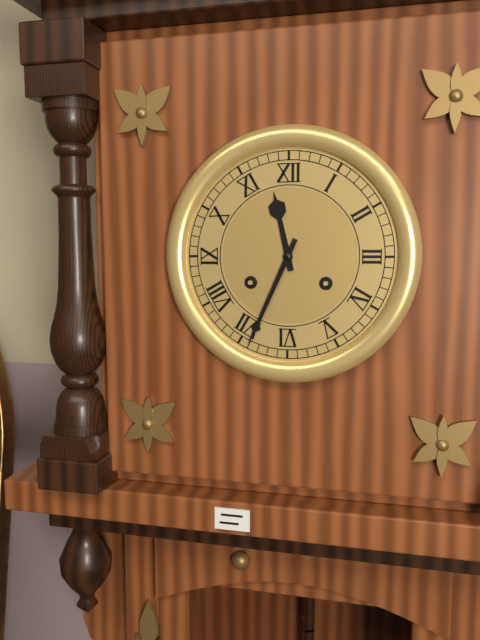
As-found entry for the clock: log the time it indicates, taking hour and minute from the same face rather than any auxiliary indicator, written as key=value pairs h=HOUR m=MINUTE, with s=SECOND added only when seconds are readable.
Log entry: h=11 m=34
